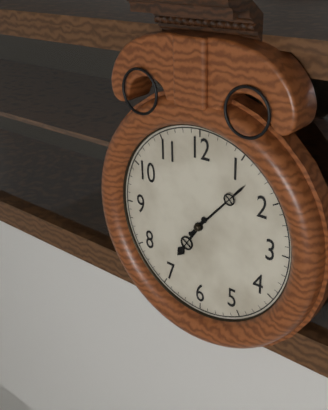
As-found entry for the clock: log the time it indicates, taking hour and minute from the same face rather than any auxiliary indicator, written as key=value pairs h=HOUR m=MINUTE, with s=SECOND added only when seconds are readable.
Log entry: h=7 m=7
